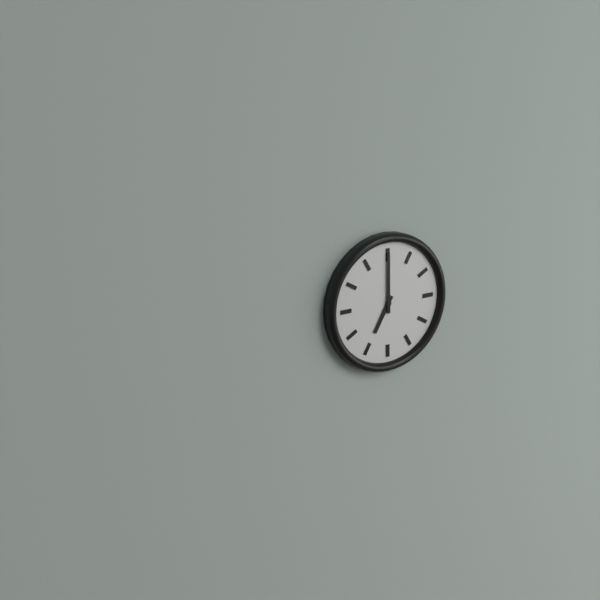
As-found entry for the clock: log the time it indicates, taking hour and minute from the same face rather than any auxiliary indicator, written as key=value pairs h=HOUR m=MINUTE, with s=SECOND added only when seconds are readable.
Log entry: h=7 m=0
